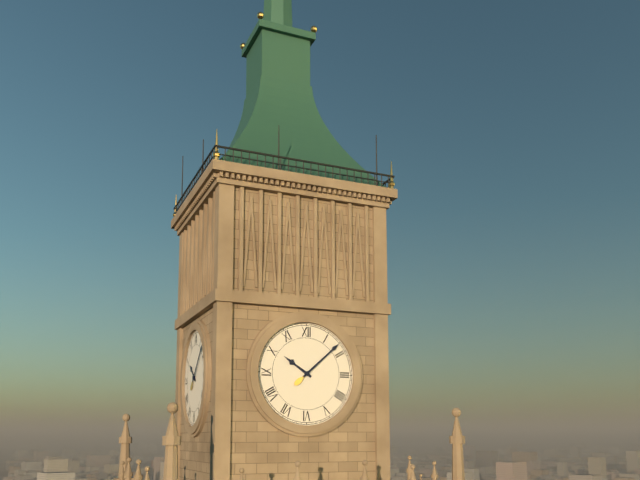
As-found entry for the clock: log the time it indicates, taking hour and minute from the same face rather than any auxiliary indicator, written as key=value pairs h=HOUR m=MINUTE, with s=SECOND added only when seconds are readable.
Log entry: h=10 m=8
